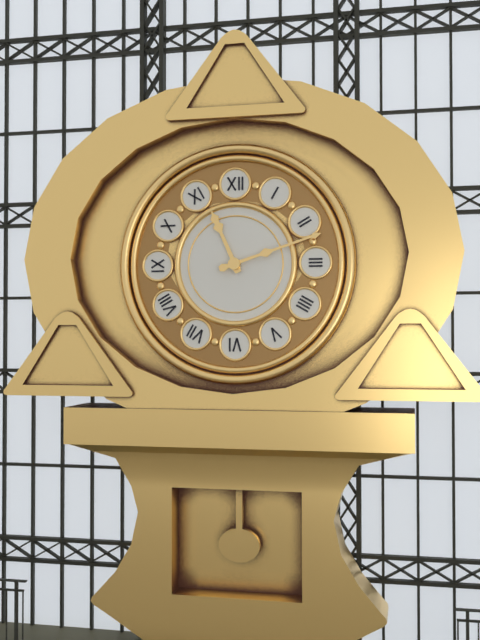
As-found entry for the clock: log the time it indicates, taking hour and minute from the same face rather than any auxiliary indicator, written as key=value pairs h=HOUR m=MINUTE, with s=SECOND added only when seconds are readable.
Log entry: h=11 m=12
